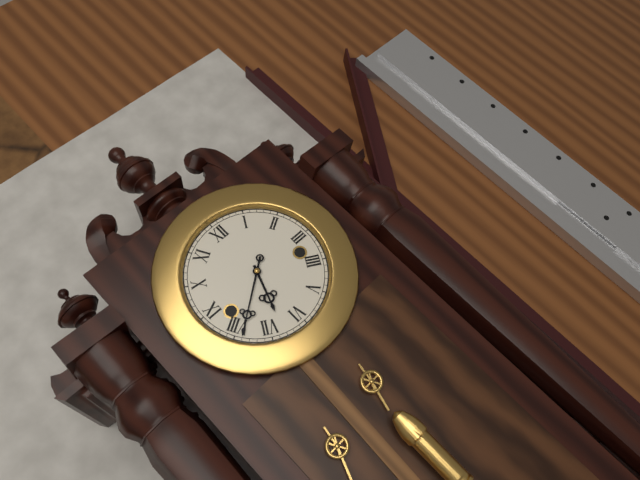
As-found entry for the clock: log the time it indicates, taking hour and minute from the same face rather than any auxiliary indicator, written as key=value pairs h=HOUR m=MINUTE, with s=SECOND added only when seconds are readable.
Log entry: h=6 m=39
